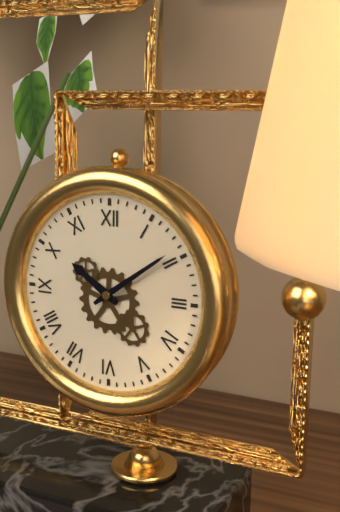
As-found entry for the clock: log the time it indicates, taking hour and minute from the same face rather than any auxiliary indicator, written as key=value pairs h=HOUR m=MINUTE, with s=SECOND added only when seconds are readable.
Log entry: h=10 m=9
